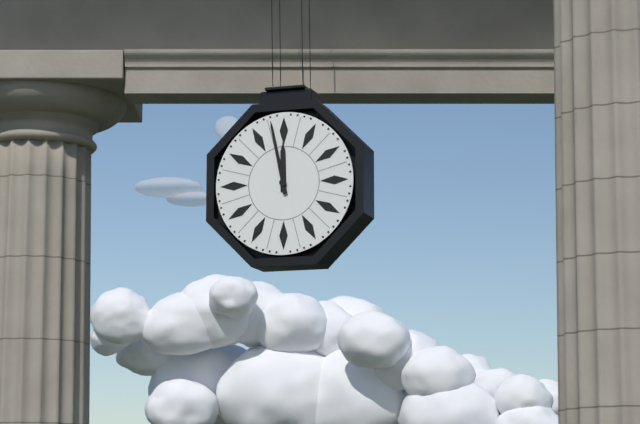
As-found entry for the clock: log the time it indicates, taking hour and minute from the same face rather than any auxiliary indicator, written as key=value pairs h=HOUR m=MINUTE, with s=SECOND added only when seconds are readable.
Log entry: h=11 m=58
